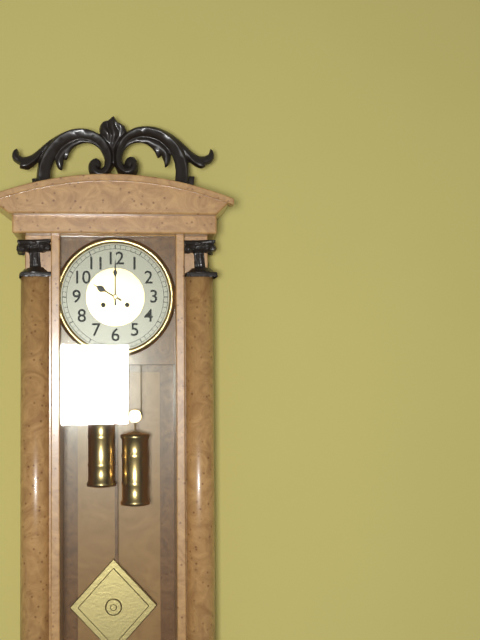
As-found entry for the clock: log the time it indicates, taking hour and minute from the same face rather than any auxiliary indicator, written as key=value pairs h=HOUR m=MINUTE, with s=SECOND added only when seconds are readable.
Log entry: h=10 m=0
